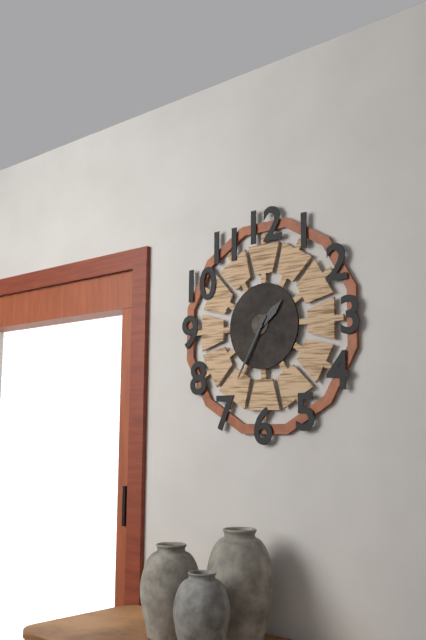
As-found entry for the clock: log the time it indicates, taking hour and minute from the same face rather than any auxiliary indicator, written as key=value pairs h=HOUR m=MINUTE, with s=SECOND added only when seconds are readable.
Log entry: h=1 m=35
